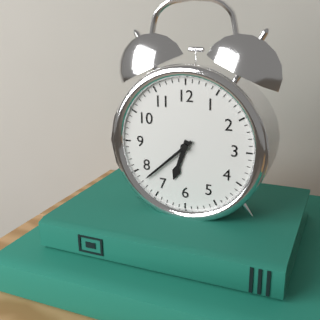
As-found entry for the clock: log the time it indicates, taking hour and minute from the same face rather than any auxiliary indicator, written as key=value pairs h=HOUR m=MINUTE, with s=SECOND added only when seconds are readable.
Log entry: h=6 m=38
